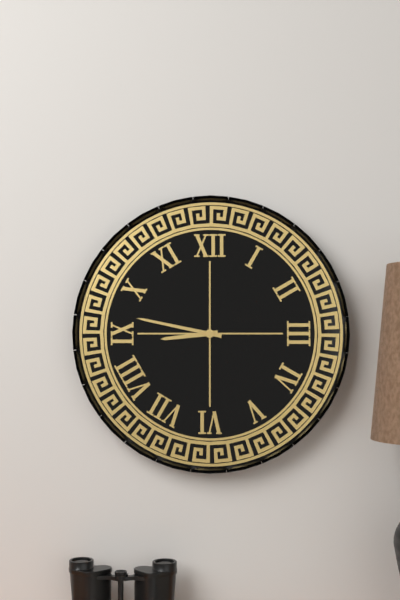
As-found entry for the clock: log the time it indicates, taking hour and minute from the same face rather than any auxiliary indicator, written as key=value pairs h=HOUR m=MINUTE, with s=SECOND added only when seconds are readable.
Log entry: h=8 m=47
